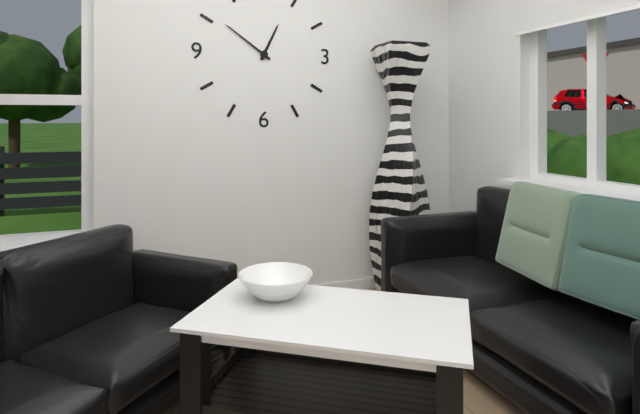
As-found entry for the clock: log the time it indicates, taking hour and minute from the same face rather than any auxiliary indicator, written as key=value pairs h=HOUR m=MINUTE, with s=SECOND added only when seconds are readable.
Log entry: h=12 m=51
